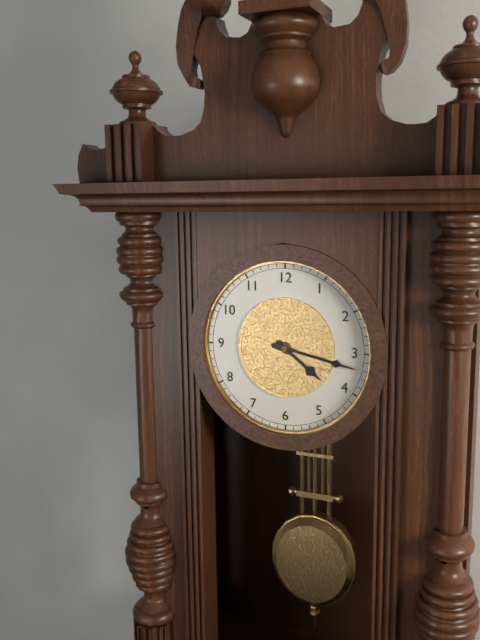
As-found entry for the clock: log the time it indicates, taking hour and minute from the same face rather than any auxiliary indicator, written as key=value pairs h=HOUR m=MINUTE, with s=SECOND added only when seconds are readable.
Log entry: h=4 m=17
